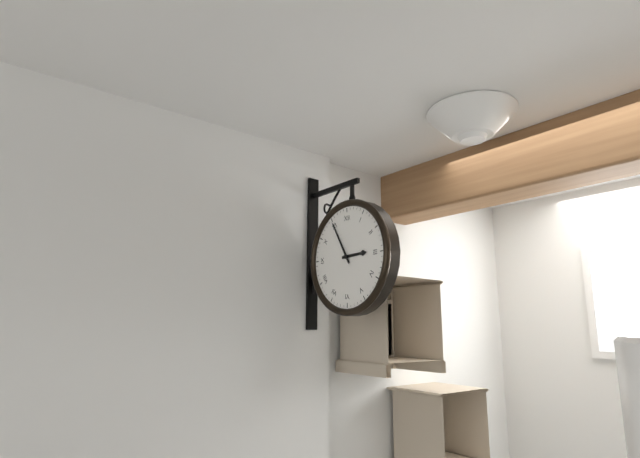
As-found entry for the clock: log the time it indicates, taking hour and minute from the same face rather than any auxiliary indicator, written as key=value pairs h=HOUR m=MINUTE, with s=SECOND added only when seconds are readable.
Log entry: h=2 m=55
